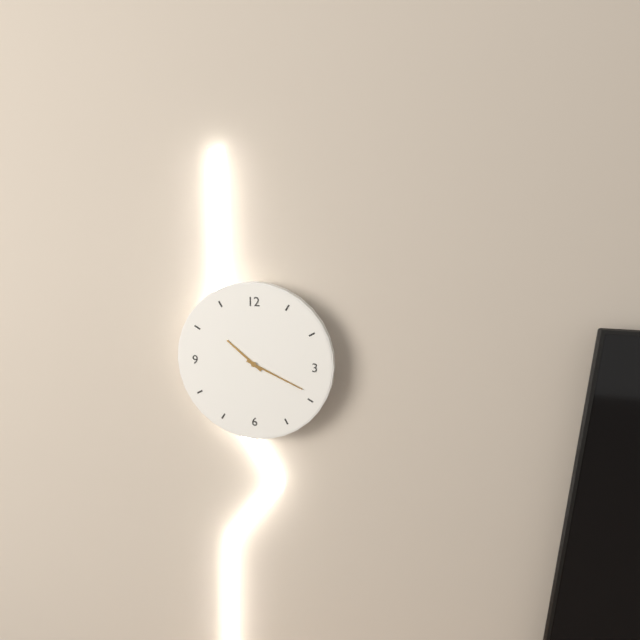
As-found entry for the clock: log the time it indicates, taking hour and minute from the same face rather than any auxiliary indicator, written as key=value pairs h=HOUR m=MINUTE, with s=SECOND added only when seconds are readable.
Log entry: h=10 m=19
